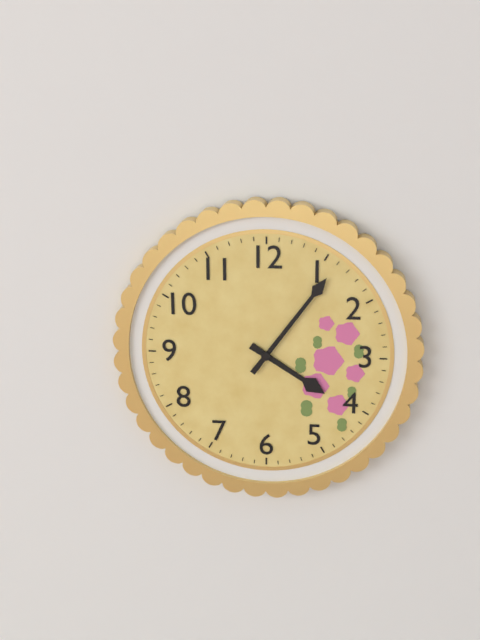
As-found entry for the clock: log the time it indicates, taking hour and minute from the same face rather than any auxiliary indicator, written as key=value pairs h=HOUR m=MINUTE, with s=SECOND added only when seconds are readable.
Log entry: h=4 m=6
